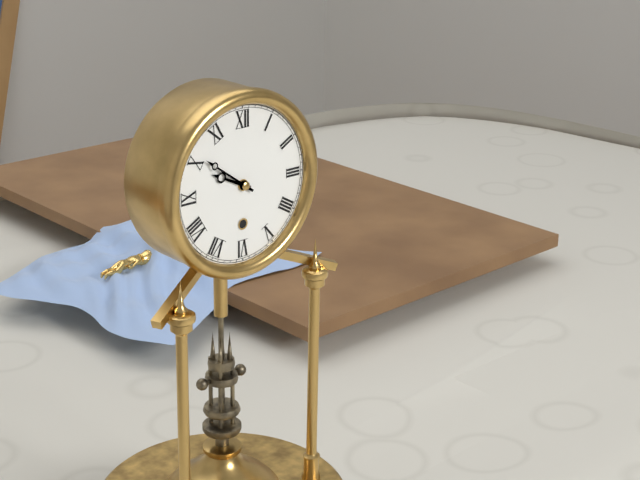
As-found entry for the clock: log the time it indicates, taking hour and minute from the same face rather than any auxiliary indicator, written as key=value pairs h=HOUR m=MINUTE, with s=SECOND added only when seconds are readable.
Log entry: h=9 m=51
